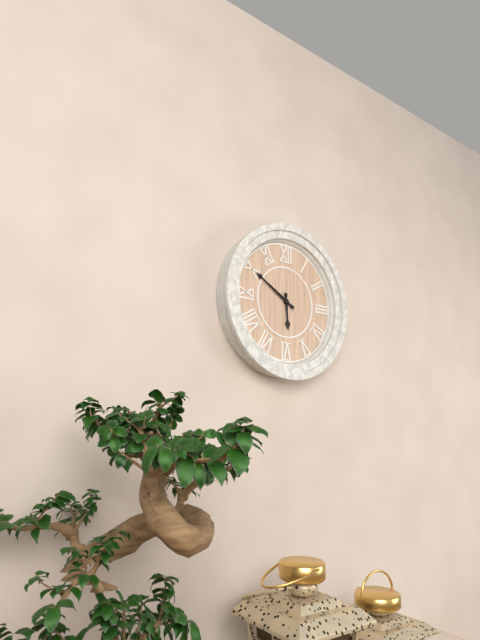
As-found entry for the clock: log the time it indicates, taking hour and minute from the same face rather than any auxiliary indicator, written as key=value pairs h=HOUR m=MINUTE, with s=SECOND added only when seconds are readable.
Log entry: h=5 m=50
